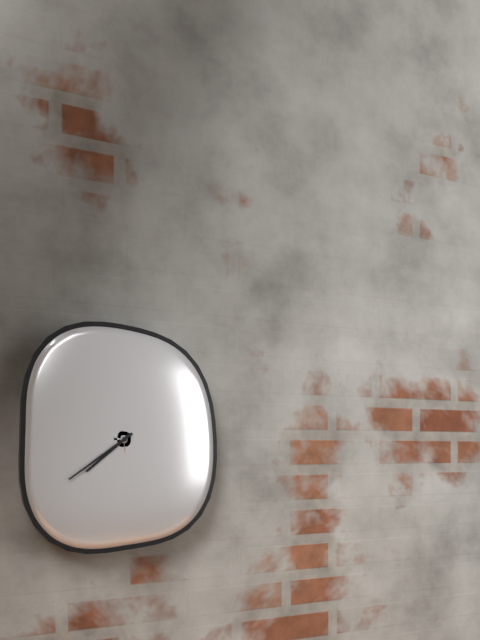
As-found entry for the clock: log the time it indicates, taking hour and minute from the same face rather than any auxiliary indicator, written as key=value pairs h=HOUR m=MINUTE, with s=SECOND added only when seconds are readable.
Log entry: h=7 m=39
